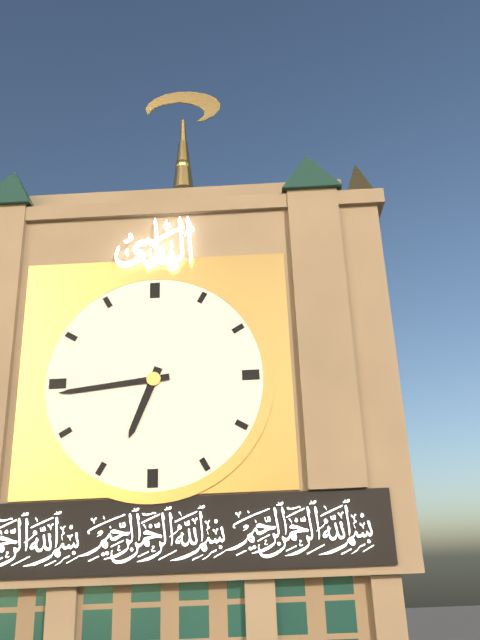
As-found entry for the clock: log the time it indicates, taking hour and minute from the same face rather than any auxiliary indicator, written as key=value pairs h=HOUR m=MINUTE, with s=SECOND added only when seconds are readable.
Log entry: h=6 m=44
